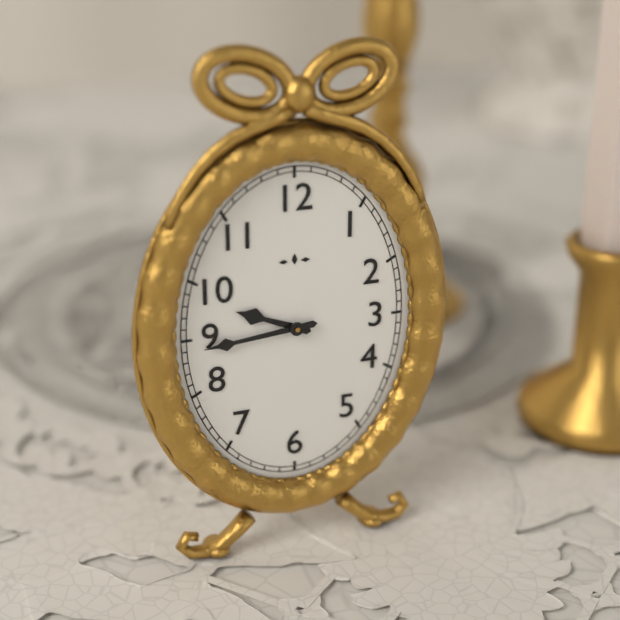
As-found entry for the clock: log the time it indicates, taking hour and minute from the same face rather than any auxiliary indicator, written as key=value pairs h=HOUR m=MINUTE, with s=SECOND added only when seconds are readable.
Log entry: h=9 m=44
